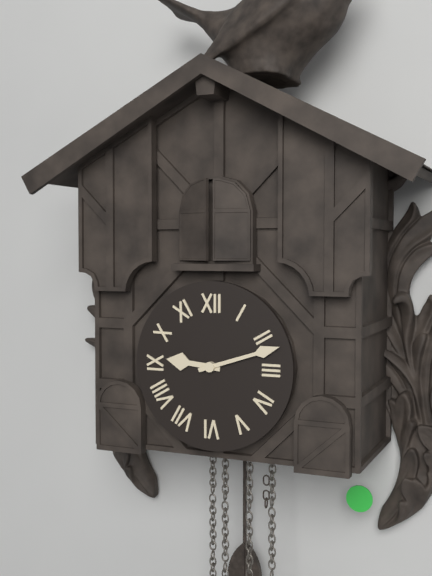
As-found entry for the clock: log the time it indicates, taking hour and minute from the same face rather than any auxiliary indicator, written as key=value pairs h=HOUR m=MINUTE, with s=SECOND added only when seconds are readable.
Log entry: h=9 m=12
